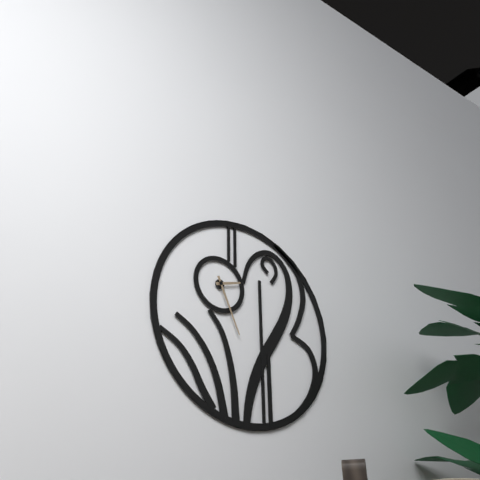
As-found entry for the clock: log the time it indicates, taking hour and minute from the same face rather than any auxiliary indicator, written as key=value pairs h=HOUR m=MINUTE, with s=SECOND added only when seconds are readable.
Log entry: h=2 m=26
